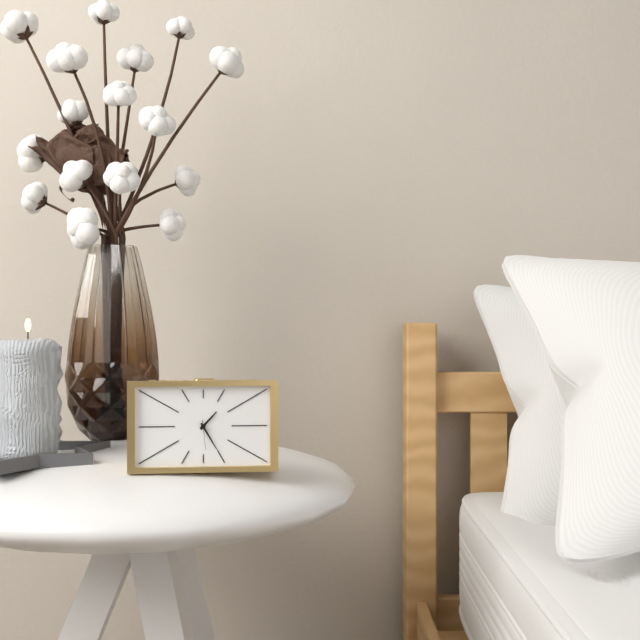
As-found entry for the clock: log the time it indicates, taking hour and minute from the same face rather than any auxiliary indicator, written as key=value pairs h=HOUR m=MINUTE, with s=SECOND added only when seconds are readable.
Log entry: h=1 m=25
